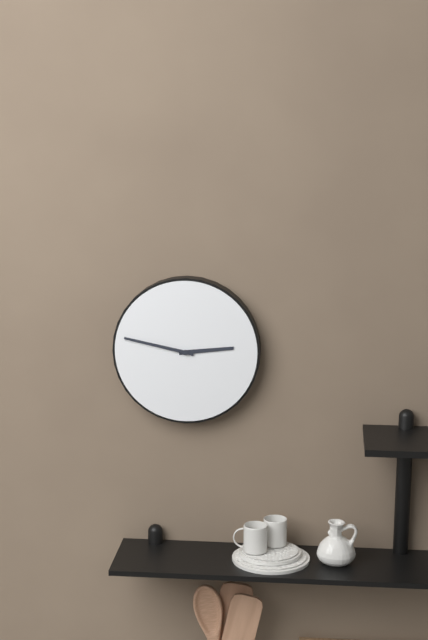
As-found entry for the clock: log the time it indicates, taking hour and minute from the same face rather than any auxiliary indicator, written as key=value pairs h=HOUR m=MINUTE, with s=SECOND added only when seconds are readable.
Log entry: h=2 m=47
